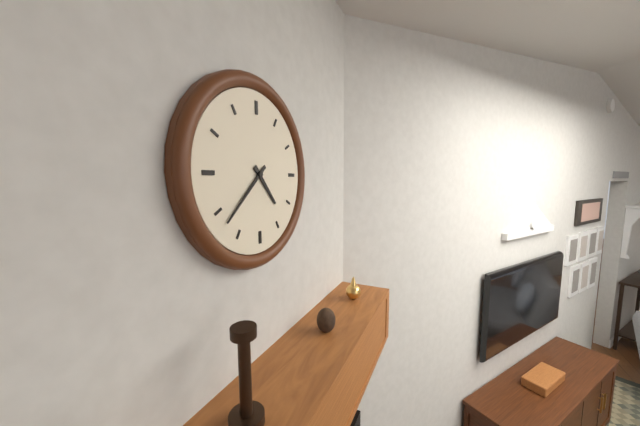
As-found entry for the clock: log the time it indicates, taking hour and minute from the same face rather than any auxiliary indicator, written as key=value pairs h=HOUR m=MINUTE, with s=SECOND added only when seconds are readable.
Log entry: h=4 m=38
